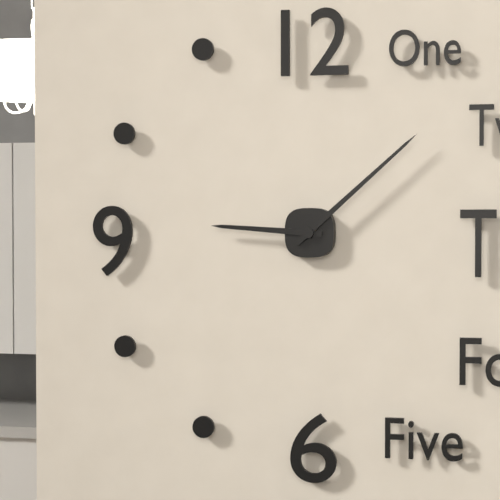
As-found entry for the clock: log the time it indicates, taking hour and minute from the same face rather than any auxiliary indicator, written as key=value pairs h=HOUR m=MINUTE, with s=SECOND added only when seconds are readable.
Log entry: h=9 m=8
